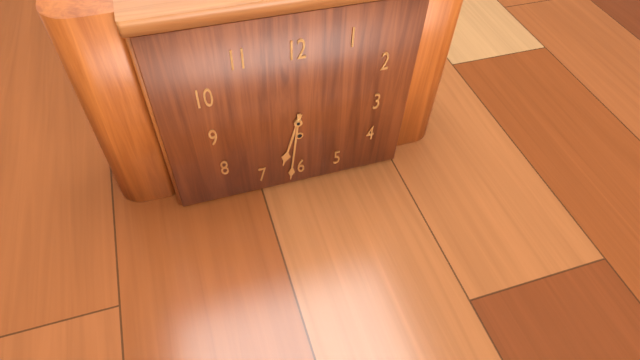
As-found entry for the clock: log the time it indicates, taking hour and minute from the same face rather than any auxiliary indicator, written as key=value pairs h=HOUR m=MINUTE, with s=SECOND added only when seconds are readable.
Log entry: h=6 m=31
